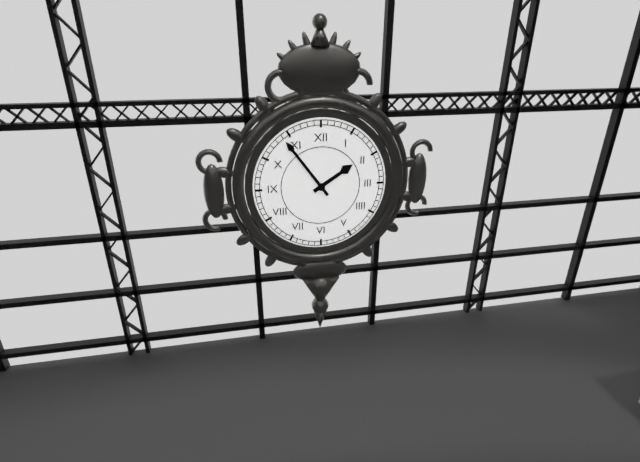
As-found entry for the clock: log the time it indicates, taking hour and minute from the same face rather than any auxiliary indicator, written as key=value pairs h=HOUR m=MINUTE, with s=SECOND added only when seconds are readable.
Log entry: h=1 m=54
